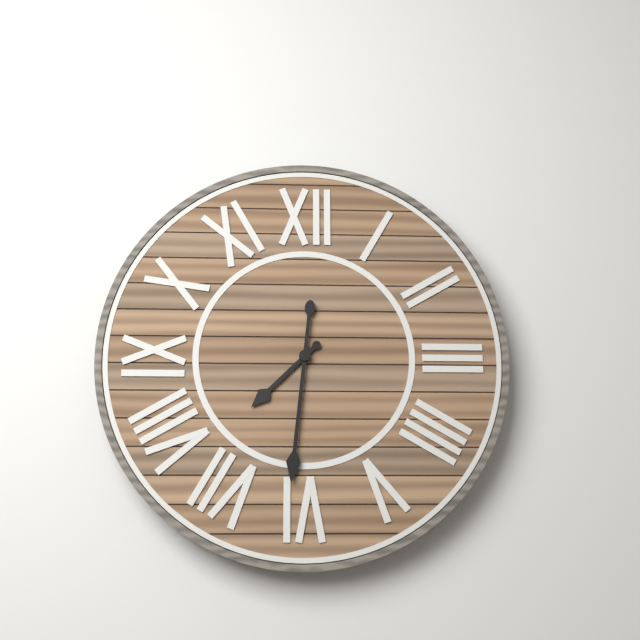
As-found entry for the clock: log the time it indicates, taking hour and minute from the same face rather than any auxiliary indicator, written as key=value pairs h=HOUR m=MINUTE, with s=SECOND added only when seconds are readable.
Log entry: h=7 m=31
